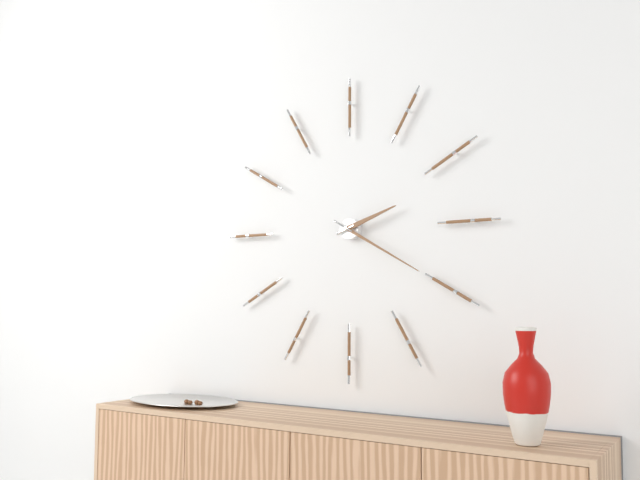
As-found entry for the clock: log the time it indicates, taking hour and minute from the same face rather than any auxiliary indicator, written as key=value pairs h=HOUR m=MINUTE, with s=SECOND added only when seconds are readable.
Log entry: h=2 m=20
